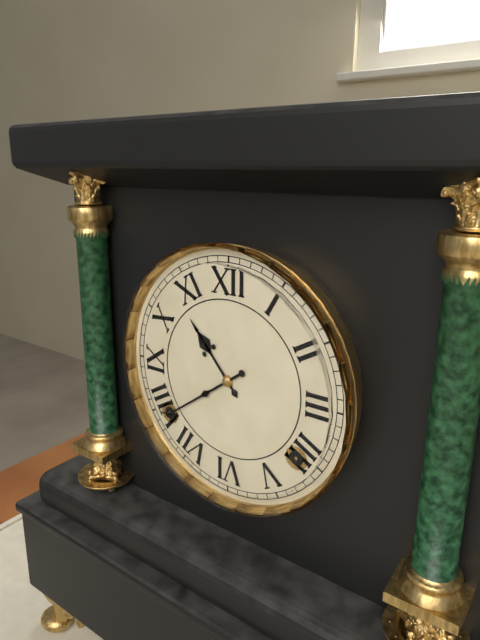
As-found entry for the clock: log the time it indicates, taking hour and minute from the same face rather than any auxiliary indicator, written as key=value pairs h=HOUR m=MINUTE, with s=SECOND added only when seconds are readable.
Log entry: h=10 m=39
